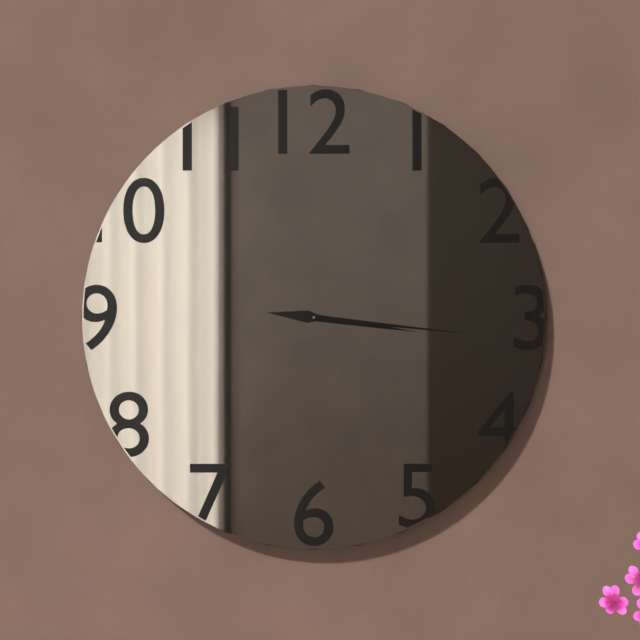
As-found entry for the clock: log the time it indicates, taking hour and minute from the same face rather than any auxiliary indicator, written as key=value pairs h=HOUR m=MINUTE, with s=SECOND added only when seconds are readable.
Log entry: h=3 m=16
